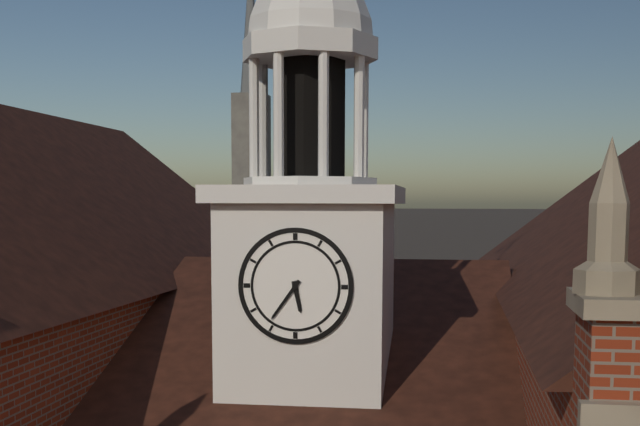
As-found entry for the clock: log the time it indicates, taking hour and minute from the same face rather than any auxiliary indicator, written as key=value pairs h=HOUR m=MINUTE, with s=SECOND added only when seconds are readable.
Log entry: h=5 m=36
